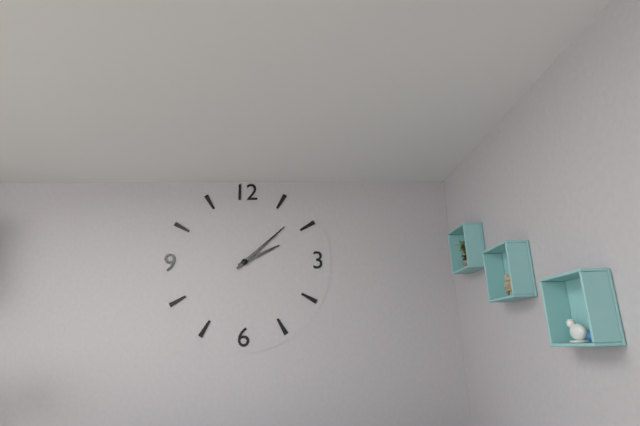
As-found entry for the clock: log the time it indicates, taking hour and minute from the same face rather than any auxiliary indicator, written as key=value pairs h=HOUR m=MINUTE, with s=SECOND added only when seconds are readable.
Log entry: h=2 m=8
